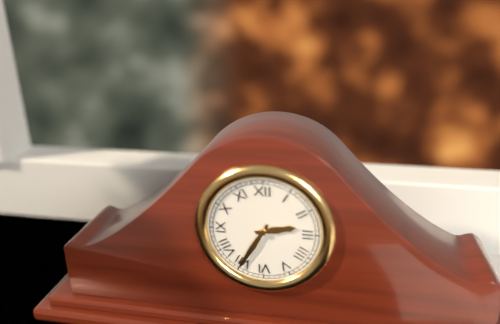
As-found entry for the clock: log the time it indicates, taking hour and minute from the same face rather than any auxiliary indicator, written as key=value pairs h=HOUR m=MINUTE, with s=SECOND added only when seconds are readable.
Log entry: h=2 m=35
